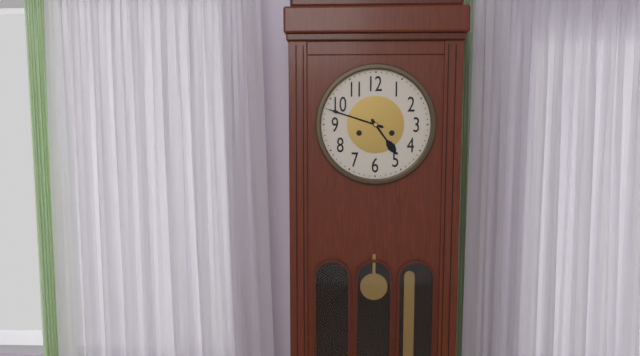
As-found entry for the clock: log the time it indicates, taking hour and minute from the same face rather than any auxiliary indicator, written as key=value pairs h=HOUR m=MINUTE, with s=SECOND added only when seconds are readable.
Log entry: h=4 m=48
